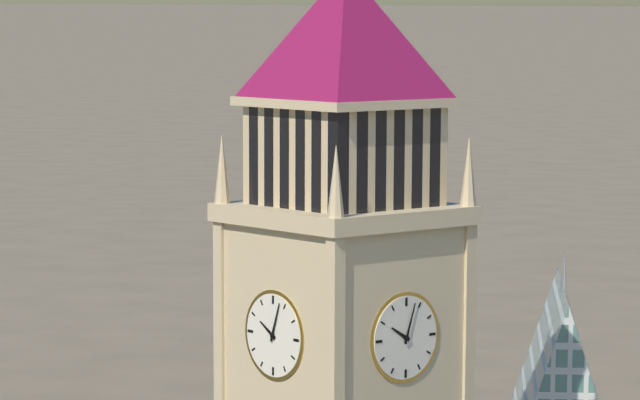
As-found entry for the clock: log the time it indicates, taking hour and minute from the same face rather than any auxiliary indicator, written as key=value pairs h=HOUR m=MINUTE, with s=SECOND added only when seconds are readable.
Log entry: h=10 m=3
